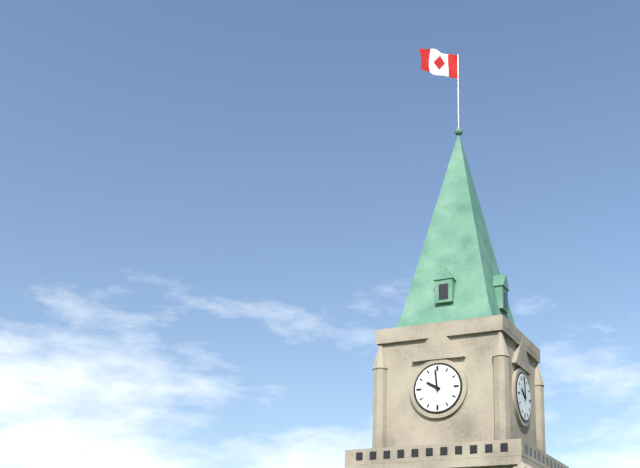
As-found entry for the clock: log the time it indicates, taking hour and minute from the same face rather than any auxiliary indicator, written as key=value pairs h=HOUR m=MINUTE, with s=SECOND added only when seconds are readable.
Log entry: h=9 m=59
